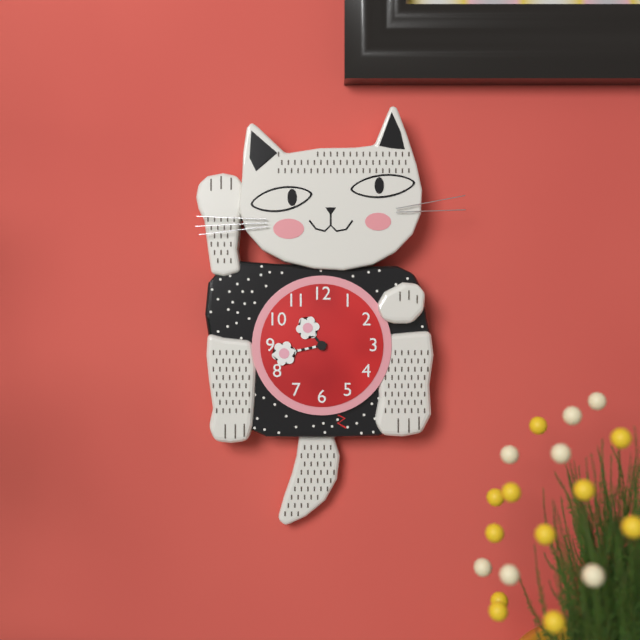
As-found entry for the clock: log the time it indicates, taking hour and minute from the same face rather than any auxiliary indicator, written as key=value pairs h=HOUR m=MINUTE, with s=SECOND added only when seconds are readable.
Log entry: h=10 m=43
